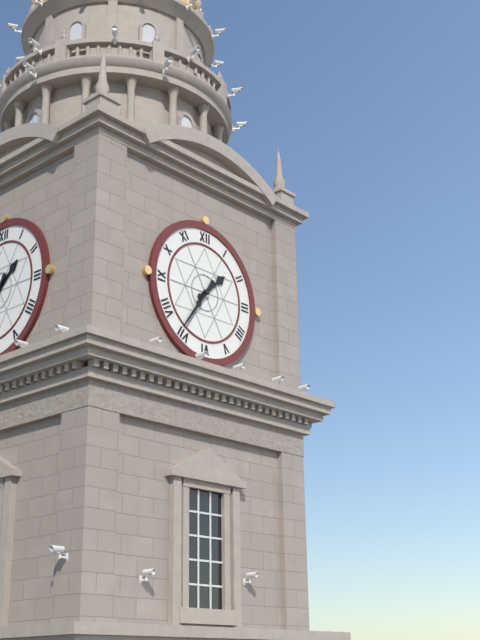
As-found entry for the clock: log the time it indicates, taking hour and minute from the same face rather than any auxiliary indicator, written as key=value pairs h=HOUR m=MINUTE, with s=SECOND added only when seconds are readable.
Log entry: h=1 m=36
